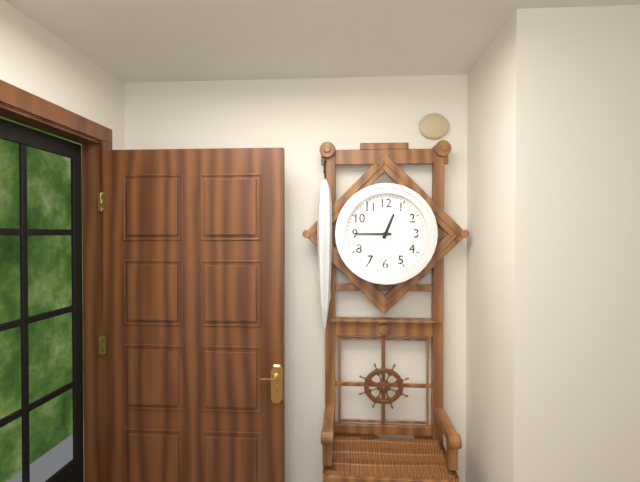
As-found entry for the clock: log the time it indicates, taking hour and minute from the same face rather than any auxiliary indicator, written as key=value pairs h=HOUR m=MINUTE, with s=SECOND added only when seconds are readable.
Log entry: h=12 m=45
